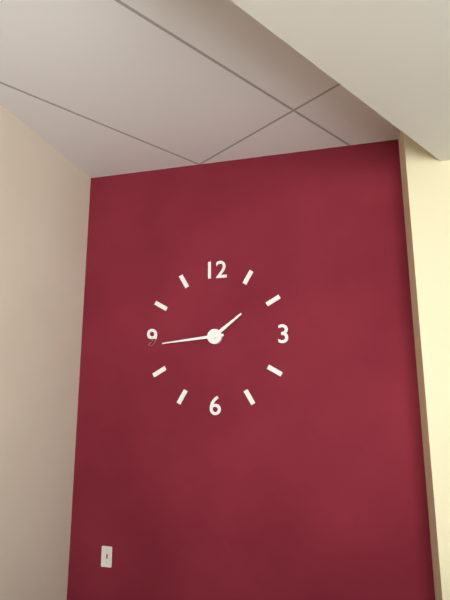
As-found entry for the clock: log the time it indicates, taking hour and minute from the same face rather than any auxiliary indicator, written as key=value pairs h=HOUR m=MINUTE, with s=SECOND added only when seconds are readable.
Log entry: h=1 m=44
